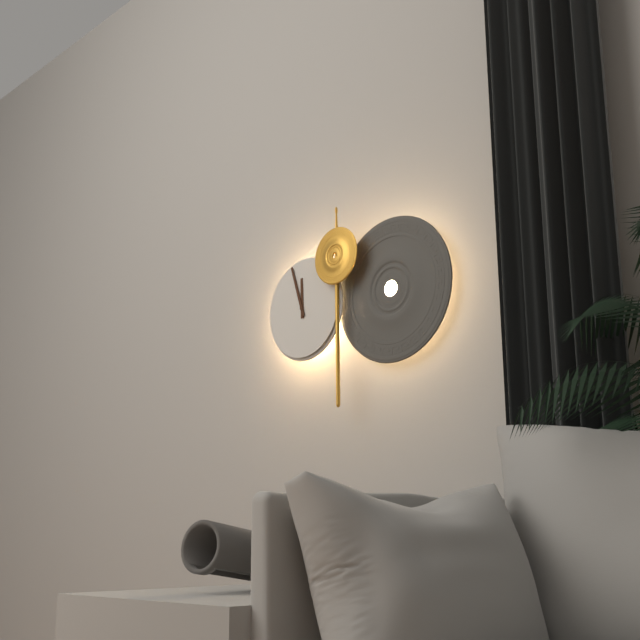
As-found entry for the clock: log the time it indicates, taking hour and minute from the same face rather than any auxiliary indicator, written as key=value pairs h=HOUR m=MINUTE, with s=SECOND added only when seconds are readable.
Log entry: h=11 m=57
